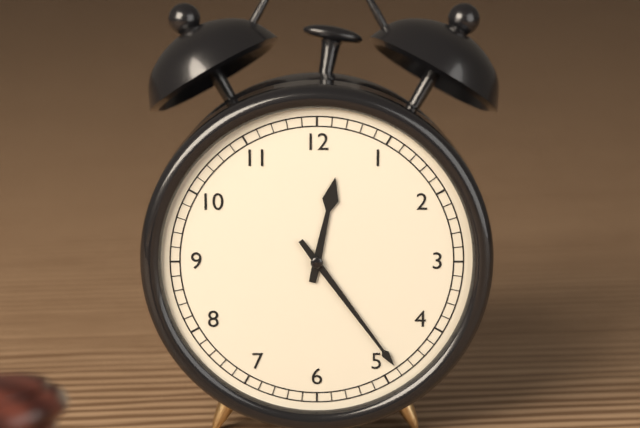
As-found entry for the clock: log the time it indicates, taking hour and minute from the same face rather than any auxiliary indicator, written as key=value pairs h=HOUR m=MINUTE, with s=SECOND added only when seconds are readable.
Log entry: h=12 m=24
